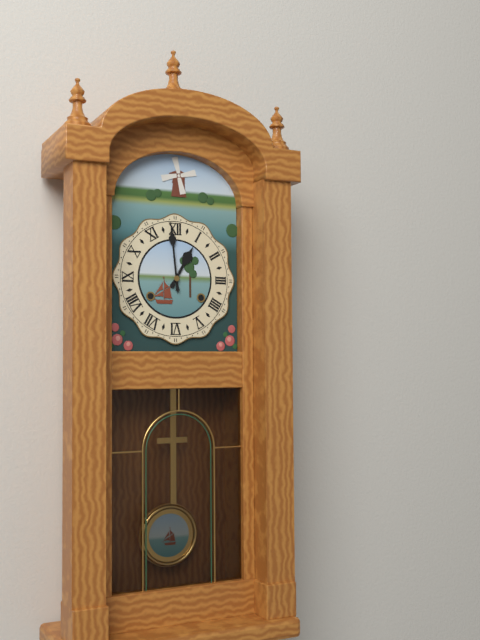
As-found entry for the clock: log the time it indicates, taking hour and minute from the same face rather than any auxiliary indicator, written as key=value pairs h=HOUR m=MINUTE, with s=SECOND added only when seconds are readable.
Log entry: h=12 m=59
